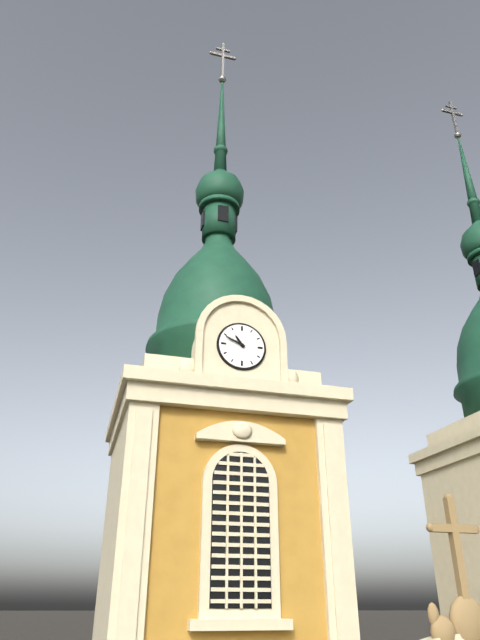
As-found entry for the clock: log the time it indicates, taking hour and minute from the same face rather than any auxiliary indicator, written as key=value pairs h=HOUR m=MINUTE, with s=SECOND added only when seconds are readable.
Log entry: h=10 m=49
